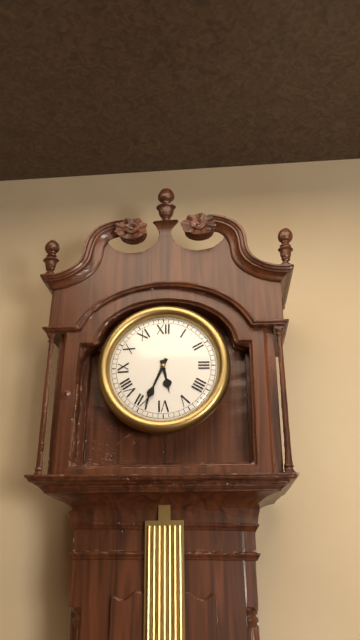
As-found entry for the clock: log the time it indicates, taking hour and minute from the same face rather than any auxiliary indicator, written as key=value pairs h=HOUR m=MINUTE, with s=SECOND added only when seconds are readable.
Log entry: h=5 m=34
